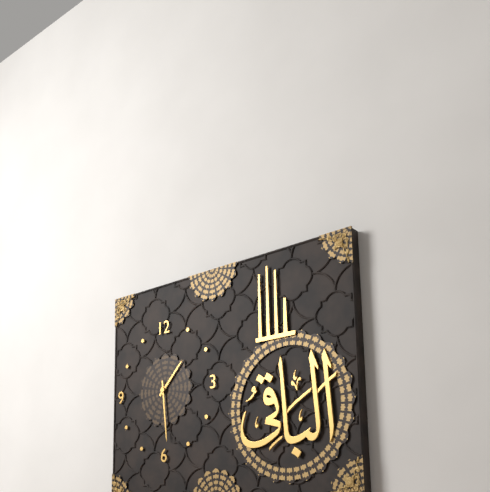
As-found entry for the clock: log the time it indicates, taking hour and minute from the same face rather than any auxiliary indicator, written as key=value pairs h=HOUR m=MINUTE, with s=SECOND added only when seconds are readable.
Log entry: h=1 m=29
